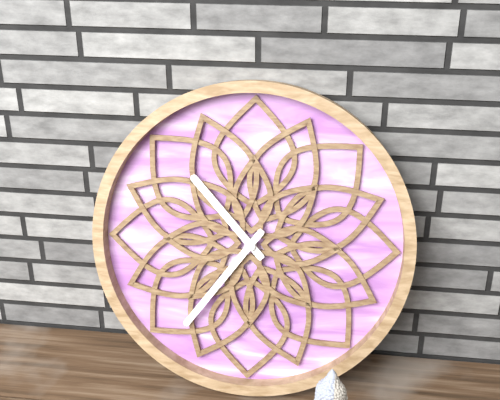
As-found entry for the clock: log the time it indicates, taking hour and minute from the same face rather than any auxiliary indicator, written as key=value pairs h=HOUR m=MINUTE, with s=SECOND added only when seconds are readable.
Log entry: h=10 m=36
